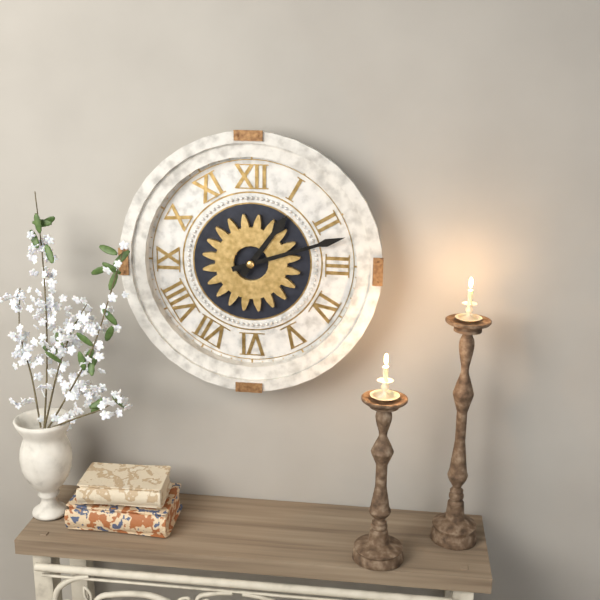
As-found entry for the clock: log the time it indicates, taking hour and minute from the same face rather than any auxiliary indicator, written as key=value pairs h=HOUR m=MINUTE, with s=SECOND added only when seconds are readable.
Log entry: h=1 m=12
